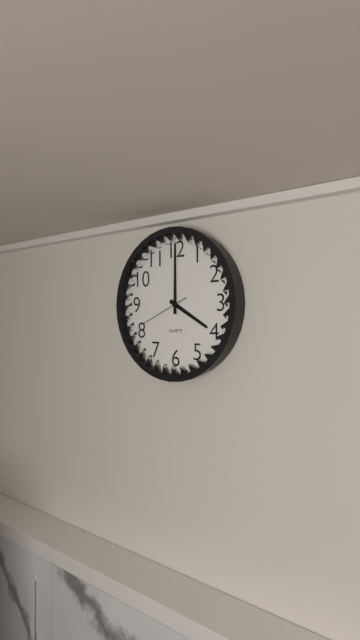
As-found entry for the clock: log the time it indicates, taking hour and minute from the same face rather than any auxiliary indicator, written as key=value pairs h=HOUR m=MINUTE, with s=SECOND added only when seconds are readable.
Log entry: h=4 m=0
